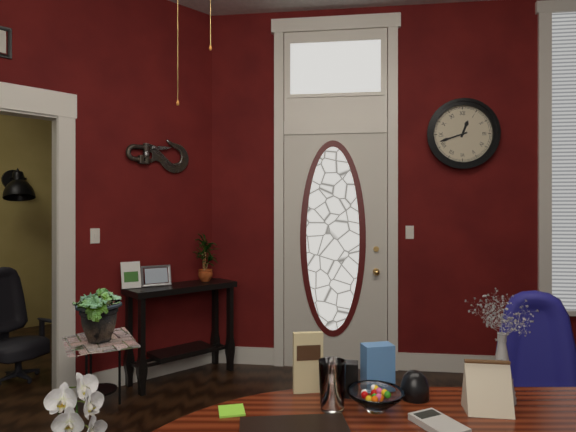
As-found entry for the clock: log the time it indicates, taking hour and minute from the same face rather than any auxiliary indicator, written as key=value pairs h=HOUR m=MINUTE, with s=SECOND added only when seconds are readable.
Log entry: h=12 m=42
